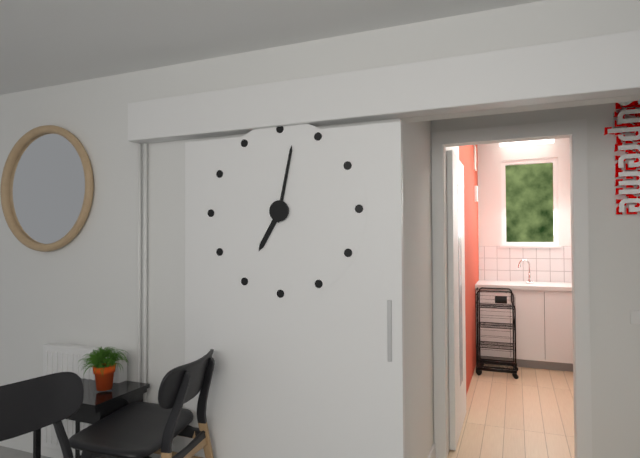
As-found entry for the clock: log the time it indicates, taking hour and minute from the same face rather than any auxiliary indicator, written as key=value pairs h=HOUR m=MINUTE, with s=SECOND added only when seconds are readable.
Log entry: h=7 m=2
